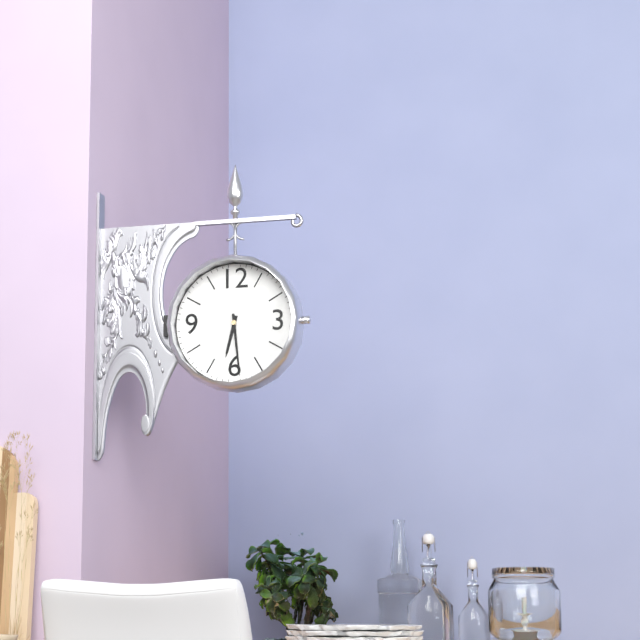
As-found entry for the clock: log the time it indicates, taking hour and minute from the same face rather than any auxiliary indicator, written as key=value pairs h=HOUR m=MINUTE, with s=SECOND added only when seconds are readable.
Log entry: h=6 m=29
